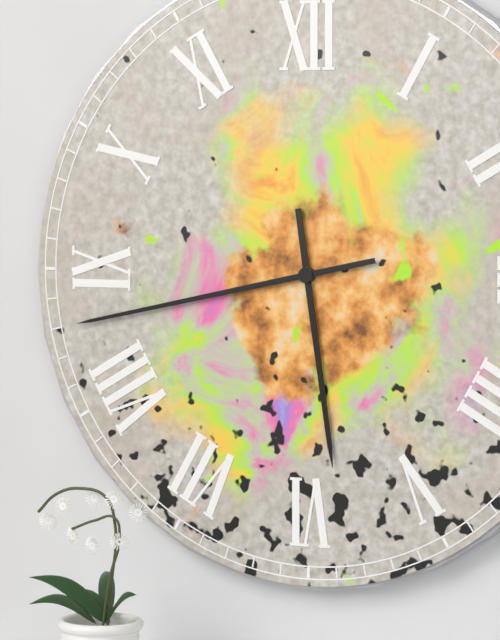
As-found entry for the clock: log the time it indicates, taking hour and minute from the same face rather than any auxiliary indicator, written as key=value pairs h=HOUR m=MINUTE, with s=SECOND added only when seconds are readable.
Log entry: h=5 m=43
